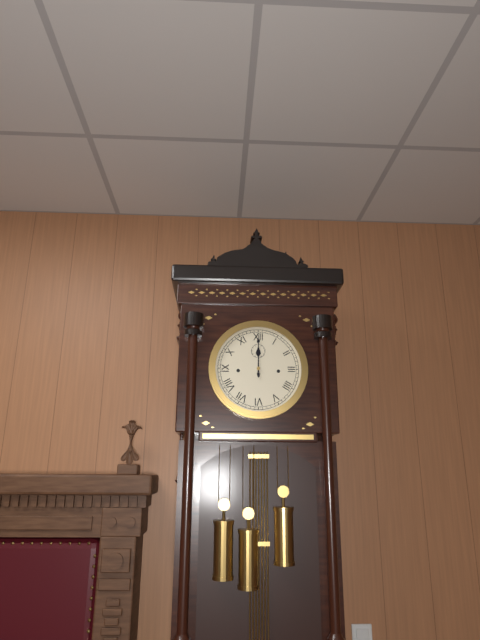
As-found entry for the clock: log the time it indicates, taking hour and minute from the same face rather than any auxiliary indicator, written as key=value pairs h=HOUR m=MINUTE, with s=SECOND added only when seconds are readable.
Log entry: h=12 m=0
